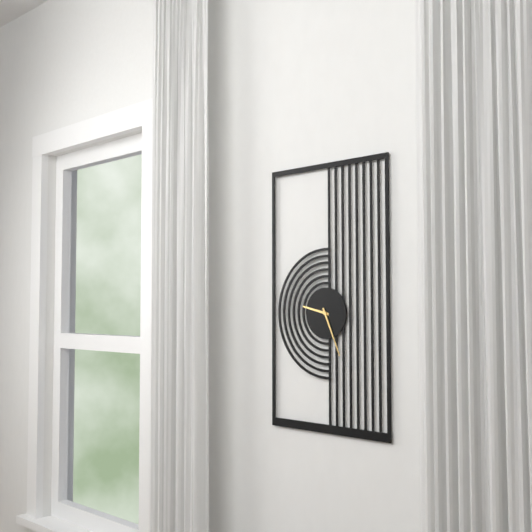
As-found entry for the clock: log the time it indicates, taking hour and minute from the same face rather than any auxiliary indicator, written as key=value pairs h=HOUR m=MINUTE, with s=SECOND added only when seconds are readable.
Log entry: h=9 m=26
